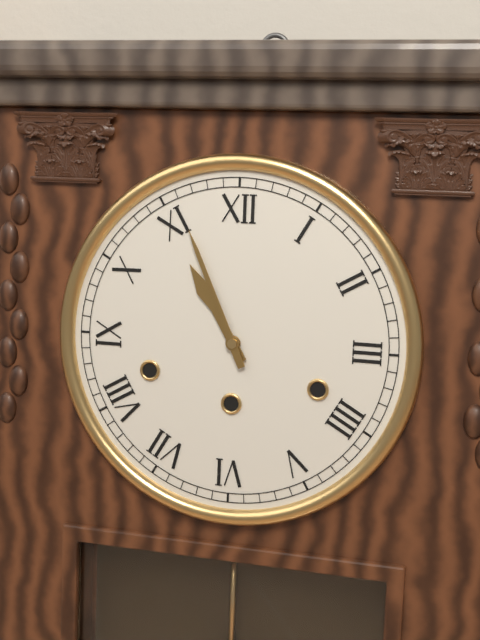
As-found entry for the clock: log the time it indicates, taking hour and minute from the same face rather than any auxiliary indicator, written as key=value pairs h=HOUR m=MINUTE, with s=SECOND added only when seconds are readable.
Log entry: h=10 m=56
